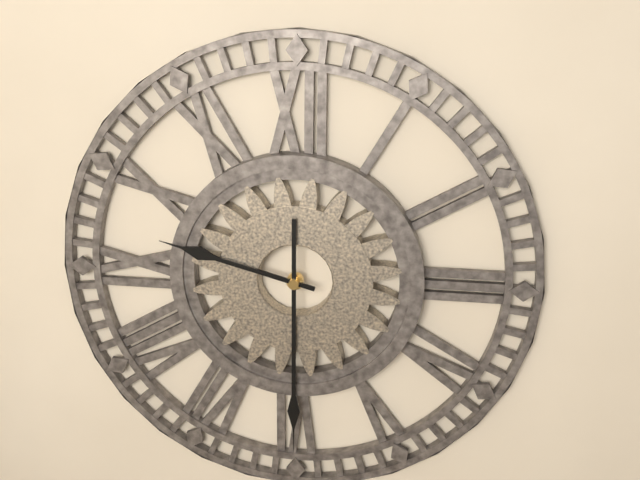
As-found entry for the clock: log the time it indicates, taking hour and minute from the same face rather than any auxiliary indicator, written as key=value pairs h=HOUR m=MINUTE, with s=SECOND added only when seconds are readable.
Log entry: h=9 m=30
